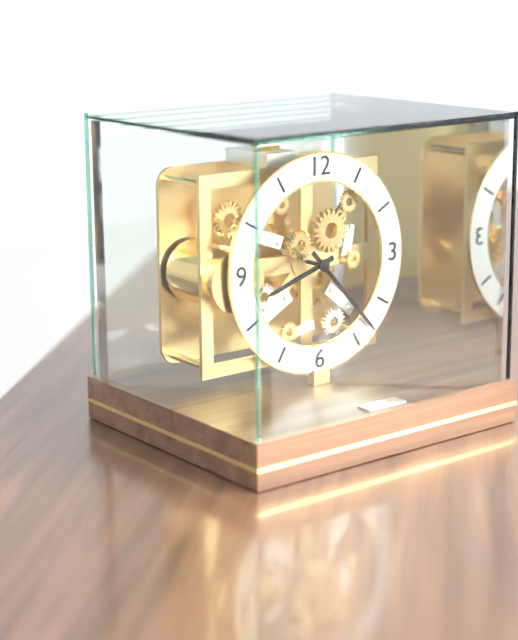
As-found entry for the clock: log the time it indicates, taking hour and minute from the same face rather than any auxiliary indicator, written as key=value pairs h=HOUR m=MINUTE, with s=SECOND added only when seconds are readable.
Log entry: h=8 m=23
